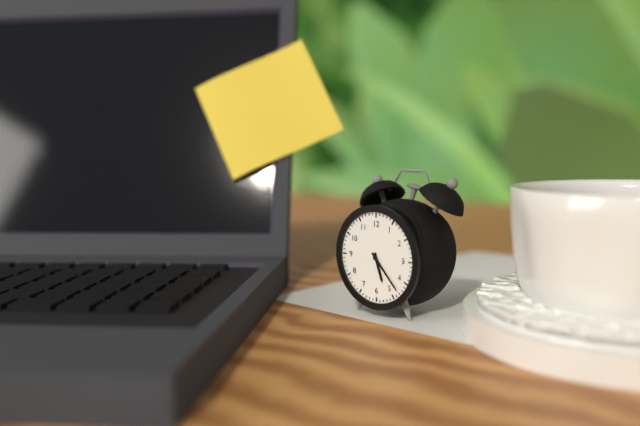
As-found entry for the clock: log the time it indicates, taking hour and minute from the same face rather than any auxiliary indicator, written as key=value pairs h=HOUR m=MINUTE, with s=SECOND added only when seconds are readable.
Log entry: h=5 m=23
